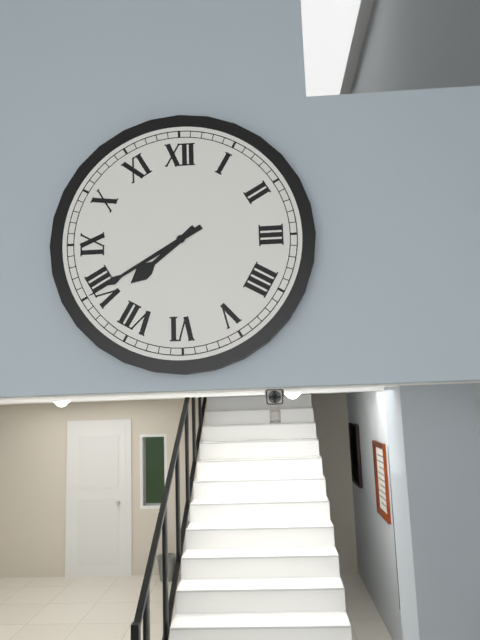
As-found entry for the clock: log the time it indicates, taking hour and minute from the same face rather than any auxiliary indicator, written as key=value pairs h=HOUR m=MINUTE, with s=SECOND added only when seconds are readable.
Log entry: h=7 m=40
